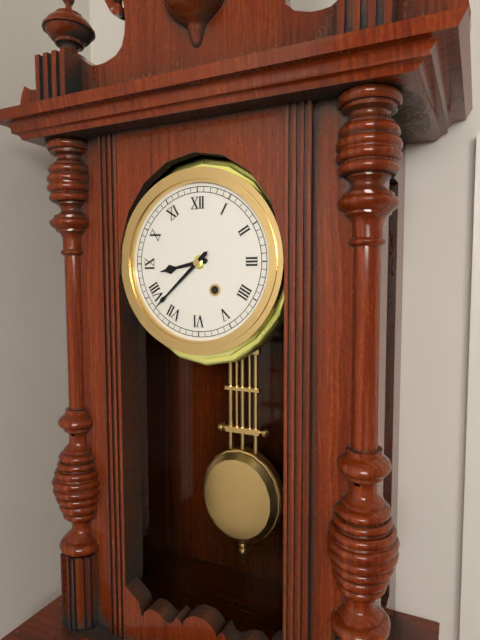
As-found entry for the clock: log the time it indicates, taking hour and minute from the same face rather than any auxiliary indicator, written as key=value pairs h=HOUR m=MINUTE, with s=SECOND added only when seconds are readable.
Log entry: h=8 m=38
